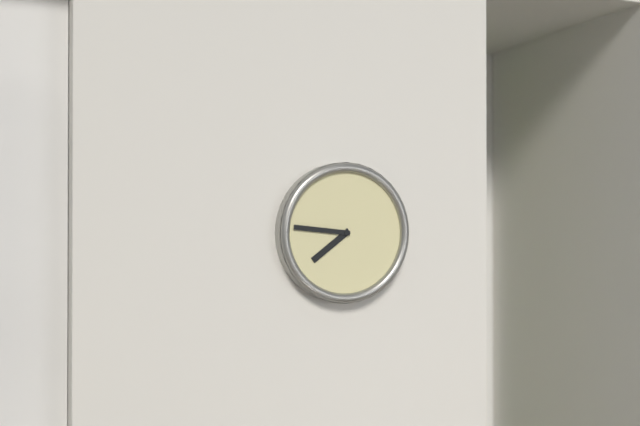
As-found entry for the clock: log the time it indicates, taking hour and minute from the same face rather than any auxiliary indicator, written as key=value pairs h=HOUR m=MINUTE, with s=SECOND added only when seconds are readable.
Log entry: h=7 m=46
